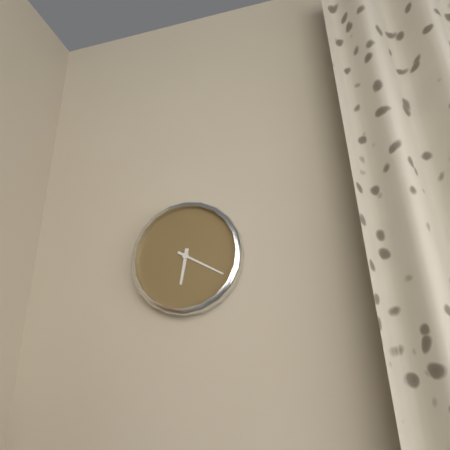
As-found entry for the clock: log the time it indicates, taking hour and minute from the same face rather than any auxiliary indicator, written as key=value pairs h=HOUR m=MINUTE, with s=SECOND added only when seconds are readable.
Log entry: h=6 m=20
